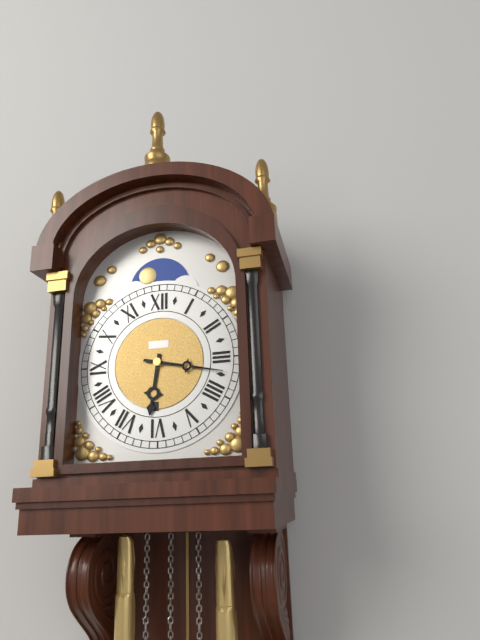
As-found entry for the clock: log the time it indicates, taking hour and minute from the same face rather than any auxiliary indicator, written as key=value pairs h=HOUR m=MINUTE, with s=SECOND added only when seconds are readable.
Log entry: h=6 m=17
